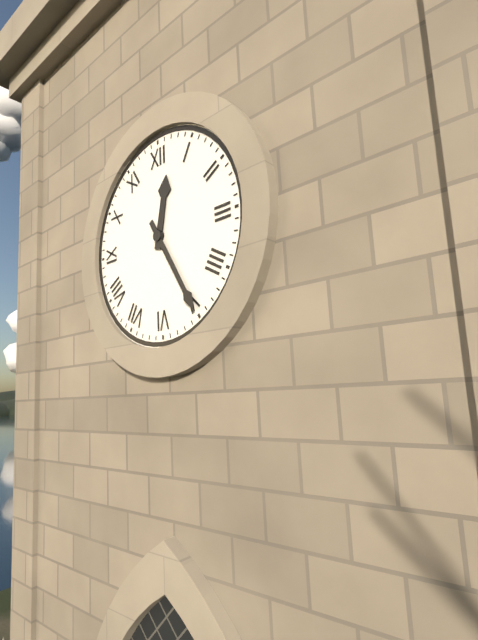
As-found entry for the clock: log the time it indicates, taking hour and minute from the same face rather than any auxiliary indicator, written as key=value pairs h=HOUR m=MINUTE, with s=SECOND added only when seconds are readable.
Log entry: h=12 m=25
